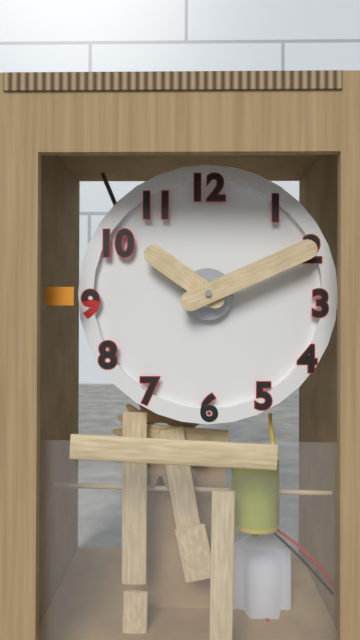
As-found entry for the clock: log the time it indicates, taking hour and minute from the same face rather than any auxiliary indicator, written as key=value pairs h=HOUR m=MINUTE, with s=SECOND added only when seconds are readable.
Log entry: h=10 m=11
